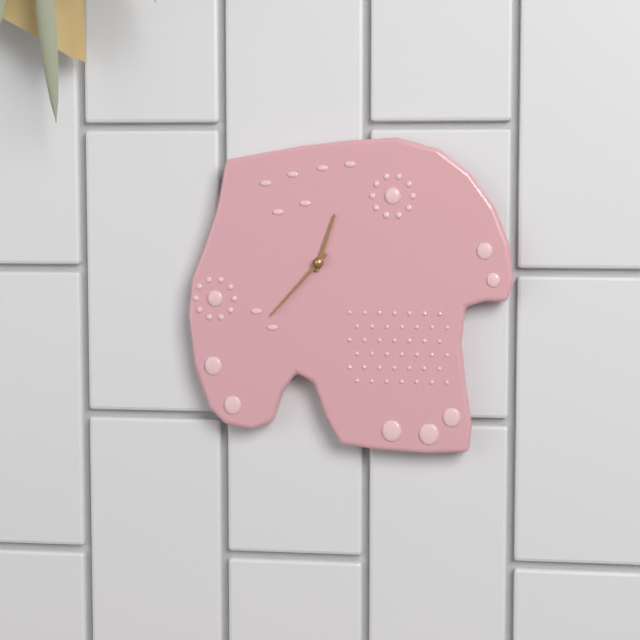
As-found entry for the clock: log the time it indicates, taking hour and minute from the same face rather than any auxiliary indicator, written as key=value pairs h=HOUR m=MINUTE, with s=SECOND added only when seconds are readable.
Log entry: h=12 m=37
